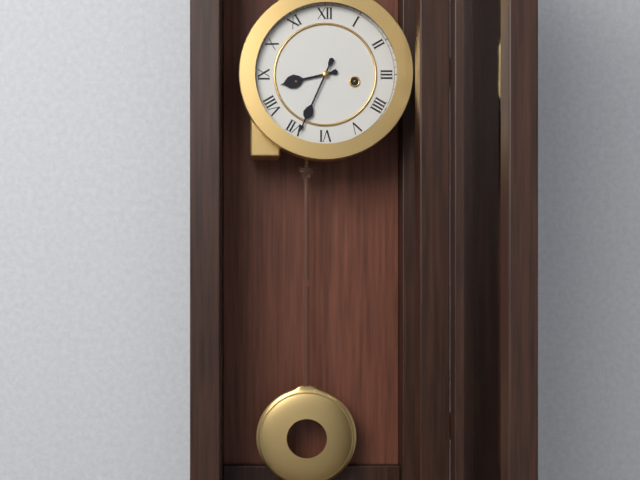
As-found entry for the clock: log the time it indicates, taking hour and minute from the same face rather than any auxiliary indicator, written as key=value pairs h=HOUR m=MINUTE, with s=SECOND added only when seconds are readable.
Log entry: h=8 m=34
